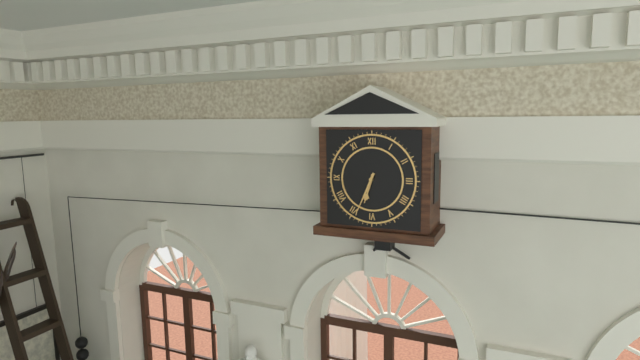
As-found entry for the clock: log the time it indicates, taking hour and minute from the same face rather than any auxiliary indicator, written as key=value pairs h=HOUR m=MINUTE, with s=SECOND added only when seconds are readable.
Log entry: h=6 m=34
